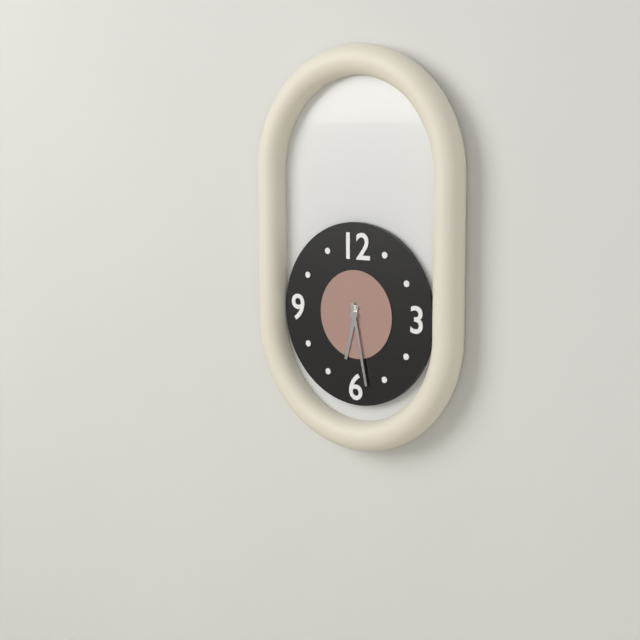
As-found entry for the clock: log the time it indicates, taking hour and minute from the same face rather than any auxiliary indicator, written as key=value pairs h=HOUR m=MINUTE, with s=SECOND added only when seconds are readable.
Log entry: h=6 m=28
